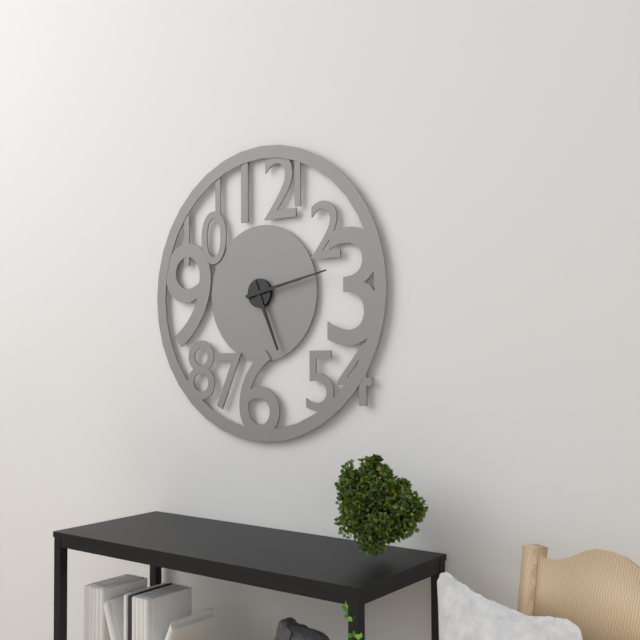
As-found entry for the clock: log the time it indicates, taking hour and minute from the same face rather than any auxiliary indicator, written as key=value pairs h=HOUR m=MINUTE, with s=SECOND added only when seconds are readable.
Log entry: h=5 m=13
